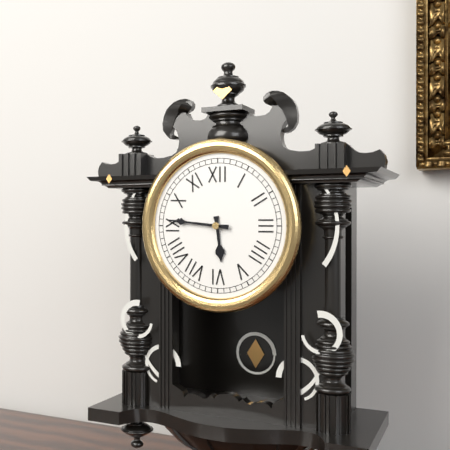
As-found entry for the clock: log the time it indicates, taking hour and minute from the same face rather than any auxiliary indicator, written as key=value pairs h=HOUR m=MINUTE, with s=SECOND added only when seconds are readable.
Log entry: h=5 m=46
